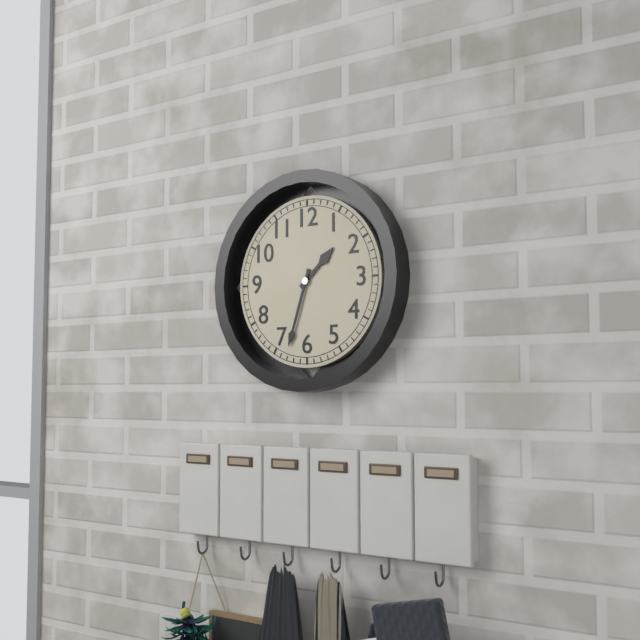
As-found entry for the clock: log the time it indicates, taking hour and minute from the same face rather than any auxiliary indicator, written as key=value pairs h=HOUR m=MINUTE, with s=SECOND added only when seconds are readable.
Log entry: h=1 m=33
